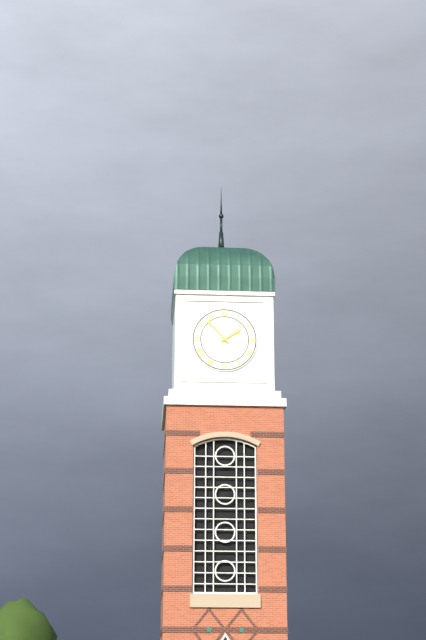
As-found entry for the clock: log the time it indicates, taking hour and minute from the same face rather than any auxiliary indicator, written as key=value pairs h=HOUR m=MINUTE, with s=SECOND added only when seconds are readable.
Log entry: h=1 m=53
